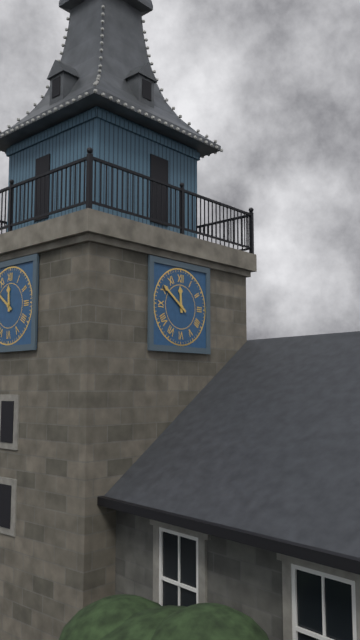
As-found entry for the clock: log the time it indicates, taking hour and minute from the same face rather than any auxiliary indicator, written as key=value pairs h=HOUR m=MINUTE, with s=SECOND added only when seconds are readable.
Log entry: h=11 m=51
